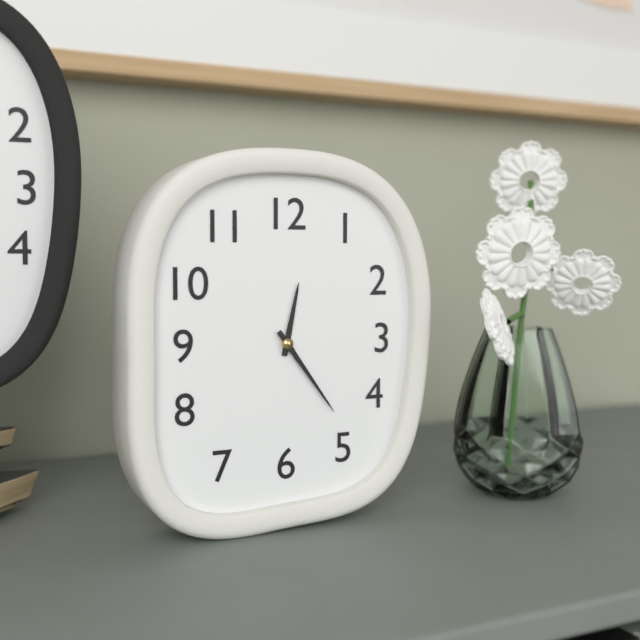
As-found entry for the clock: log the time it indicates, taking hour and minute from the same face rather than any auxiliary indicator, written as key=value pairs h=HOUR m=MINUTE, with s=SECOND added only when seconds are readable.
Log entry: h=12 m=24
